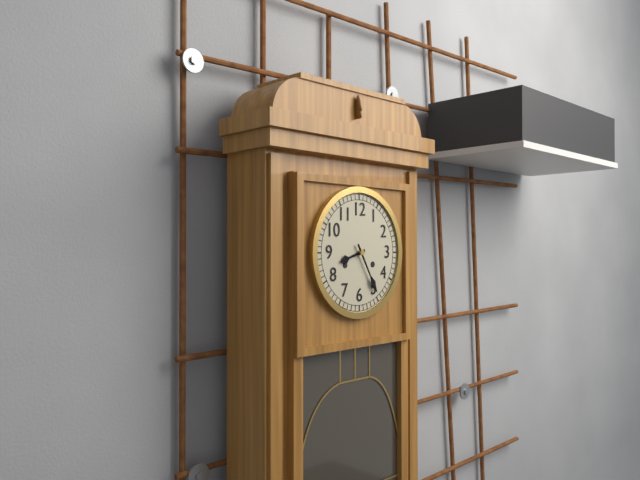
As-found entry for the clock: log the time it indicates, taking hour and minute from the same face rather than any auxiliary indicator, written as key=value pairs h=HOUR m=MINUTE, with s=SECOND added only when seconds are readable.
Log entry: h=8 m=25
